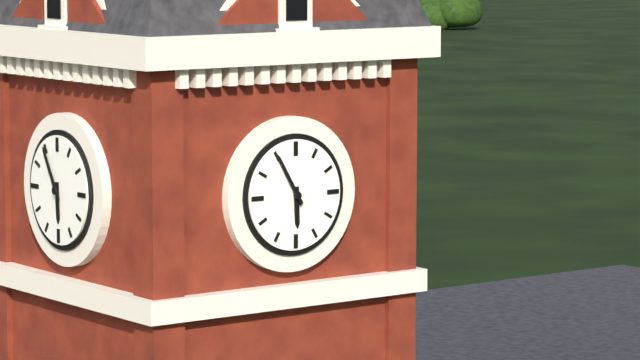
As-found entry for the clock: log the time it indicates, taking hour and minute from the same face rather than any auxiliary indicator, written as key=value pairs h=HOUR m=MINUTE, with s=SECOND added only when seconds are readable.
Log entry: h=5 m=55
